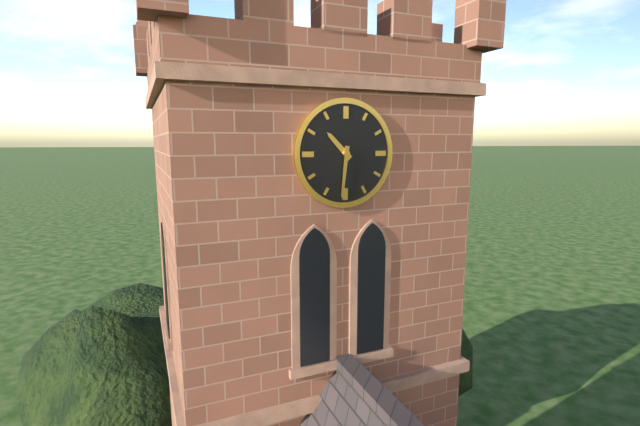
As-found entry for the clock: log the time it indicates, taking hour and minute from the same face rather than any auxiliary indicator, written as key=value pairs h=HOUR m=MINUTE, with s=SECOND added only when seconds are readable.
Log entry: h=10 m=31
